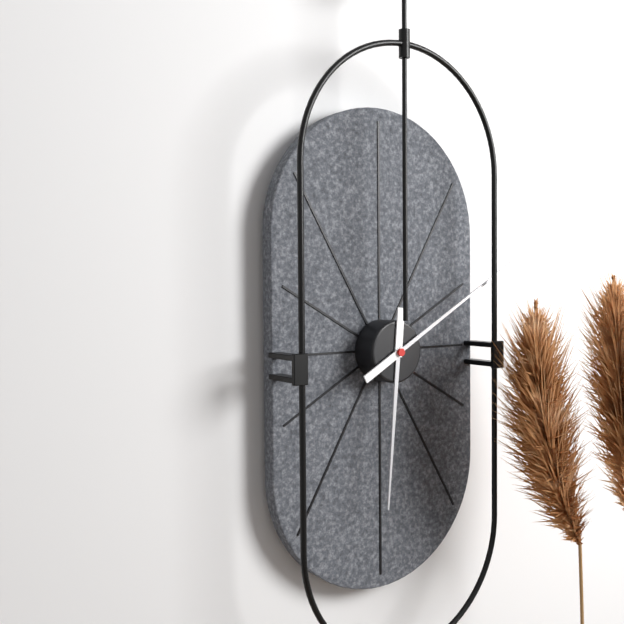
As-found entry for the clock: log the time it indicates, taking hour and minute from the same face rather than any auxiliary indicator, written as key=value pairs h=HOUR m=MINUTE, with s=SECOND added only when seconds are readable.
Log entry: h=6 m=10
